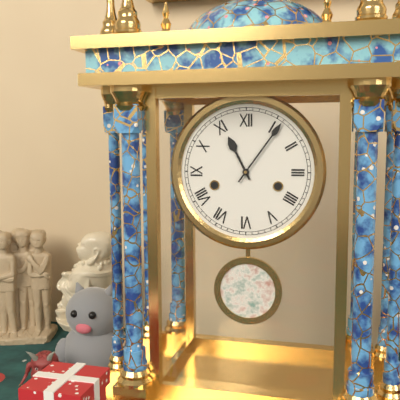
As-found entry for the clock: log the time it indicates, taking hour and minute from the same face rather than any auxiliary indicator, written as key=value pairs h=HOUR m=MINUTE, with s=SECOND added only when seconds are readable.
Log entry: h=11 m=6
